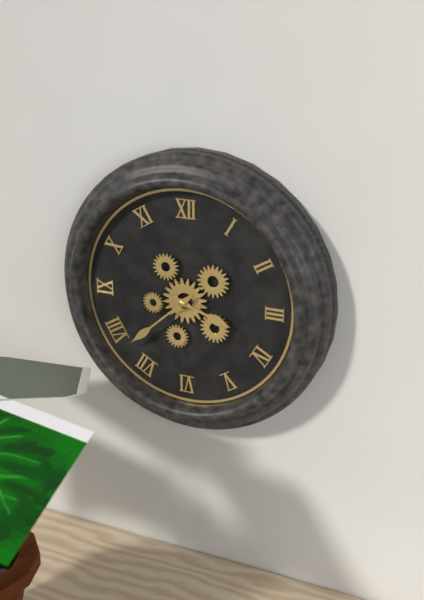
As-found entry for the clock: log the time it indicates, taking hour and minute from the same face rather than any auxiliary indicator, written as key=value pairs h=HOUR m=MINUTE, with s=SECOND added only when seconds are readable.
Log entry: h=3 m=38
